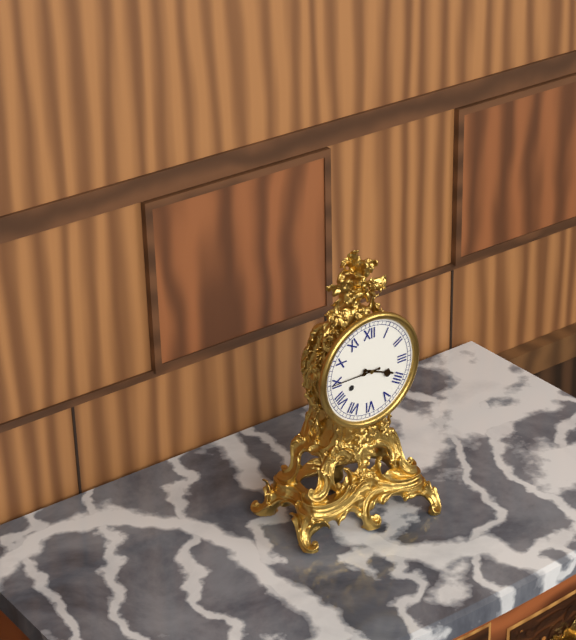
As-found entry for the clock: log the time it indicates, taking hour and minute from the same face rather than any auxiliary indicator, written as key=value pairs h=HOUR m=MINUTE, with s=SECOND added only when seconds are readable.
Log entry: h=3 m=45
